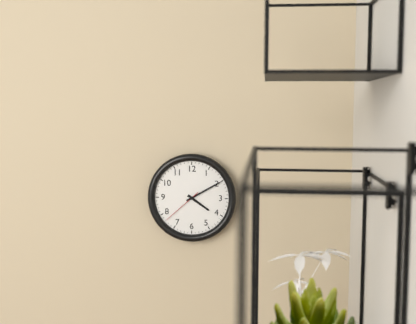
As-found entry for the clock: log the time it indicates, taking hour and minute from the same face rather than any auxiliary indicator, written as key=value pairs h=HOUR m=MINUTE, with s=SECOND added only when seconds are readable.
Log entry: h=4 m=10
